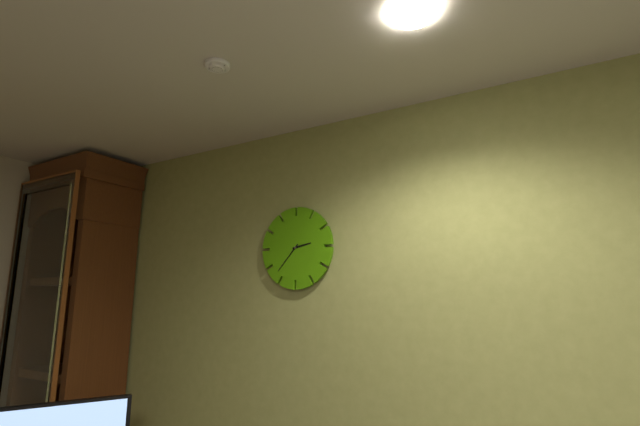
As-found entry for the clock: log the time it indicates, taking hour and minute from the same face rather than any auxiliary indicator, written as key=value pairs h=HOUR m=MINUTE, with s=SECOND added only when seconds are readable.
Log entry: h=2 m=37
